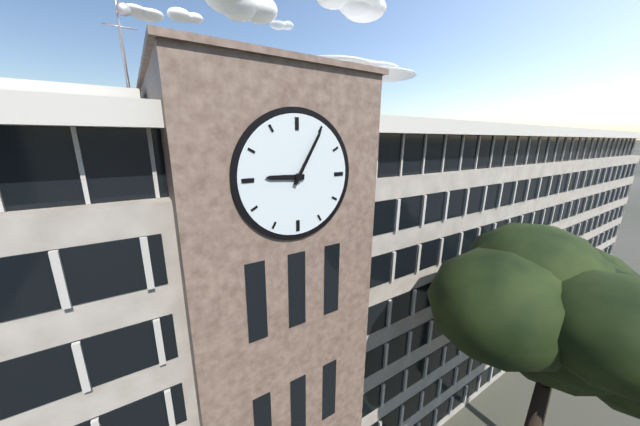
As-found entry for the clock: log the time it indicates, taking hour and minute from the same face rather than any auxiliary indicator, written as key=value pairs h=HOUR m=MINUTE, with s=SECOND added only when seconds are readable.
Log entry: h=9 m=5
